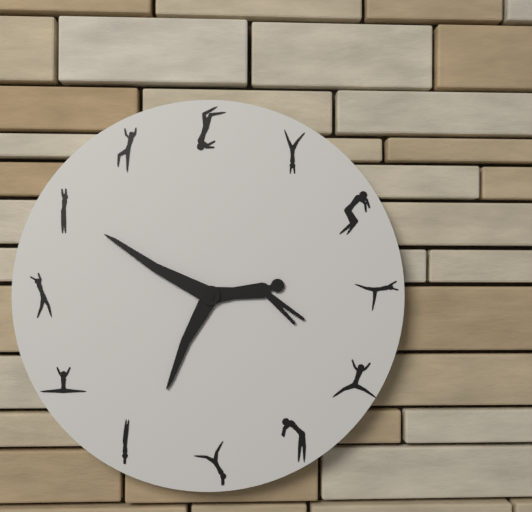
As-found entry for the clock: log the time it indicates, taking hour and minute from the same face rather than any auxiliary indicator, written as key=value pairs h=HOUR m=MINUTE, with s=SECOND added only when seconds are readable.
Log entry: h=6 m=50
